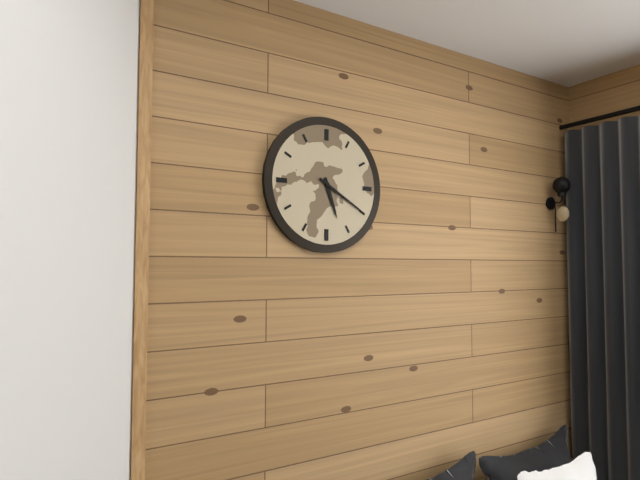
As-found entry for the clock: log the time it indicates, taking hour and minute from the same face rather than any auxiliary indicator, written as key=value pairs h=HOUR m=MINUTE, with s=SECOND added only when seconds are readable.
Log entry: h=5 m=20
